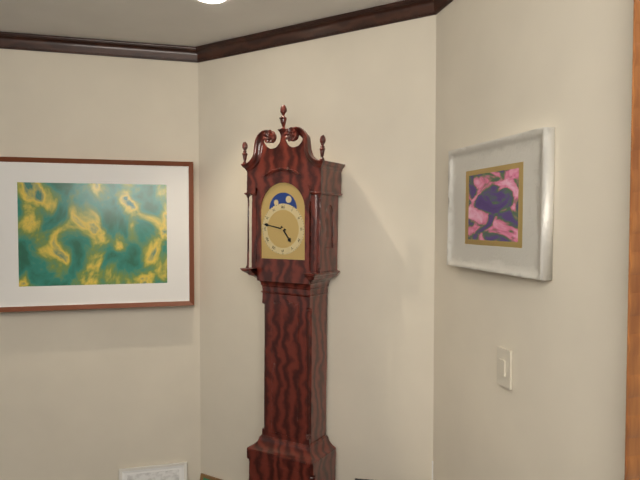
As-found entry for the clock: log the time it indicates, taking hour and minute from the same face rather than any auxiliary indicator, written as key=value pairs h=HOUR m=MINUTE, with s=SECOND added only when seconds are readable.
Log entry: h=4 m=47
